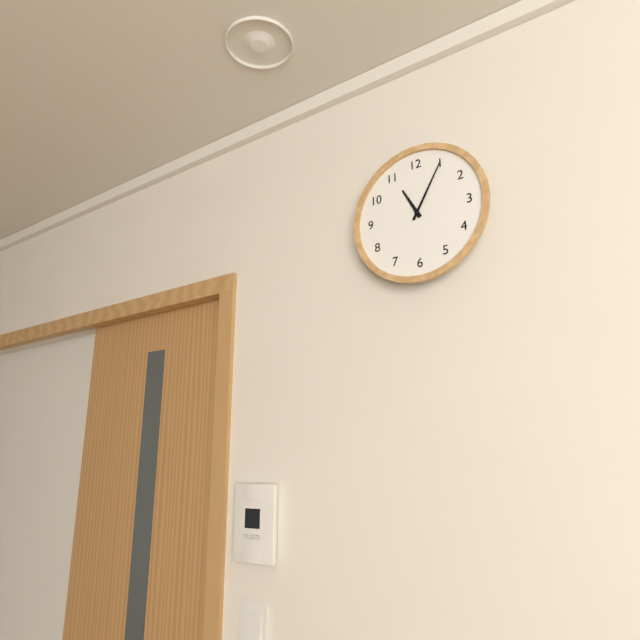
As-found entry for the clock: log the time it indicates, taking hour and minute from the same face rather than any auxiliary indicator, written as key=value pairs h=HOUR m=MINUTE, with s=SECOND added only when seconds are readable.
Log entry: h=11 m=5
